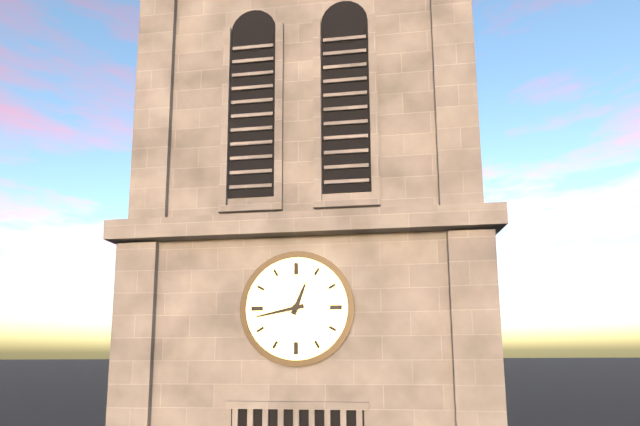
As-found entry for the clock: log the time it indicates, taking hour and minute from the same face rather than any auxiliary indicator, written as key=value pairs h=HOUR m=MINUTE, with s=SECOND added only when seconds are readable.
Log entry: h=12 m=43
